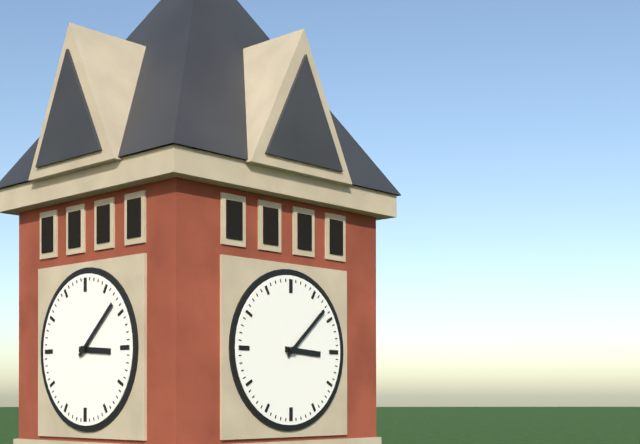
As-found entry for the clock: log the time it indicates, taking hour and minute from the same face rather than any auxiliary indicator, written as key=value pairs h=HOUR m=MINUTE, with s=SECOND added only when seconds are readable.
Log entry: h=3 m=8
